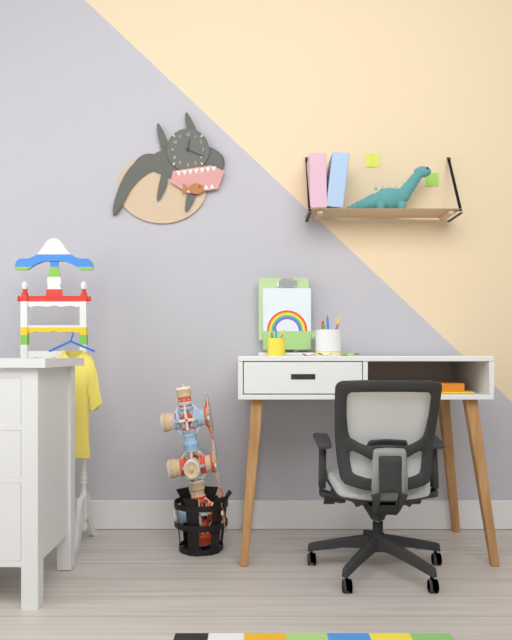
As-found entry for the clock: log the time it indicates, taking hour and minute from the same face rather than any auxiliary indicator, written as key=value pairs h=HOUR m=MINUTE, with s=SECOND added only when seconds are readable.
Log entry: h=12 m=19
